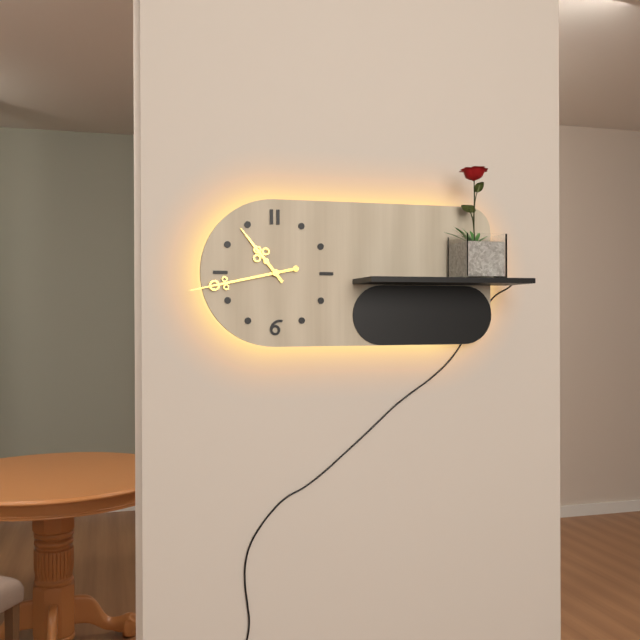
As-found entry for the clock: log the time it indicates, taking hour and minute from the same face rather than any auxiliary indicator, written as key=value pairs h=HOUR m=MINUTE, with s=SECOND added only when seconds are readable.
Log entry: h=10 m=43
